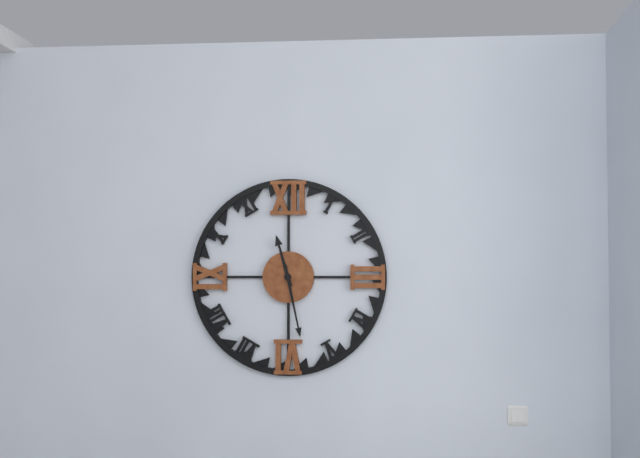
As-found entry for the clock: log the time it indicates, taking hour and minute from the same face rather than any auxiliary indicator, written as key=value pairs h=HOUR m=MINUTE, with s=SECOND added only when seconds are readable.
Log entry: h=11 m=28
